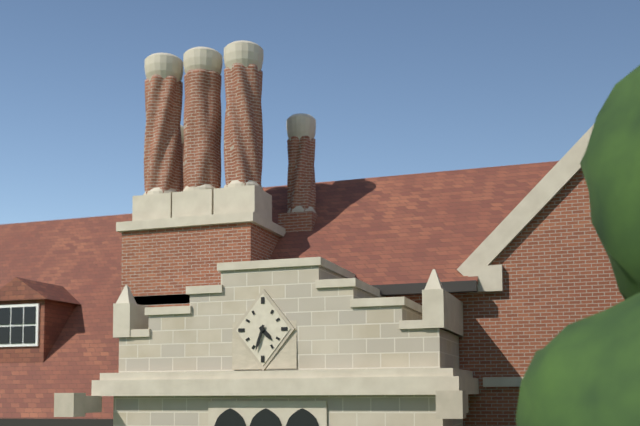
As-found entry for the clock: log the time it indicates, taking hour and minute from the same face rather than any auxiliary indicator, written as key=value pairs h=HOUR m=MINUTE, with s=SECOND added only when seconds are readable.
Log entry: h=4 m=33
